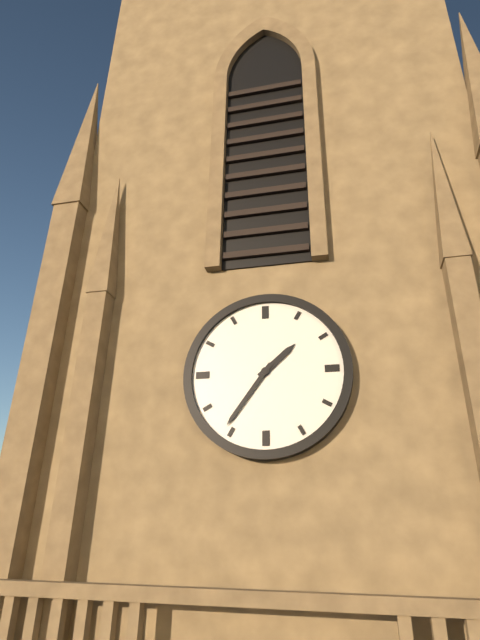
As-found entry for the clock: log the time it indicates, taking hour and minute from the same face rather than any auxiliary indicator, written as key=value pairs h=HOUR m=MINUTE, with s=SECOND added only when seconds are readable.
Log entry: h=1 m=36
